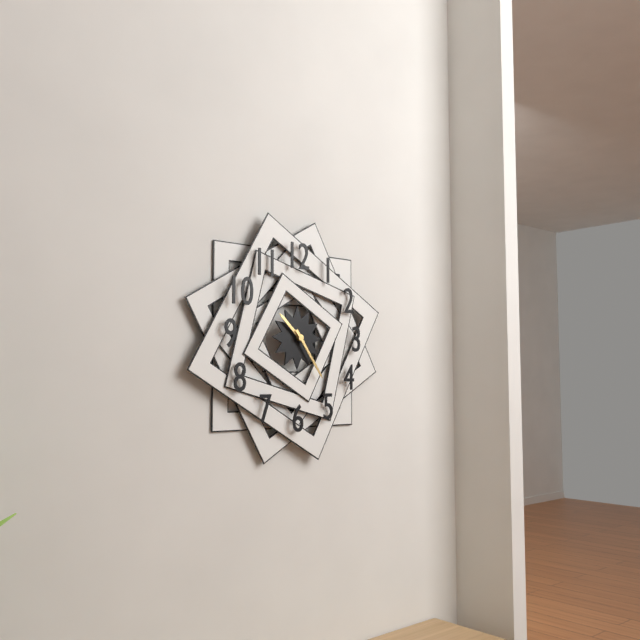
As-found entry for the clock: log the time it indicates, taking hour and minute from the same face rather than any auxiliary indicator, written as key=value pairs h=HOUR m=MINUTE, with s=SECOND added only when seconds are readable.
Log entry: h=10 m=24
